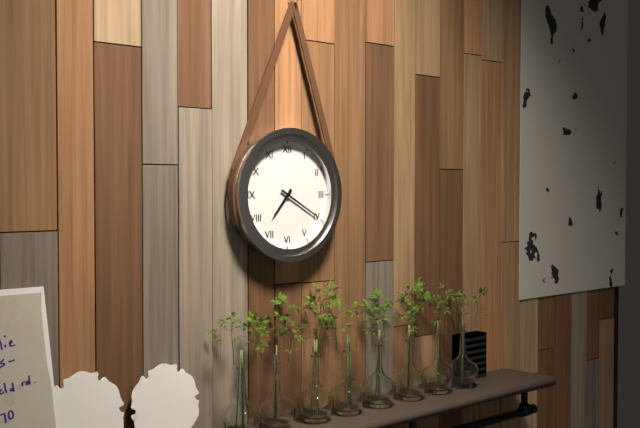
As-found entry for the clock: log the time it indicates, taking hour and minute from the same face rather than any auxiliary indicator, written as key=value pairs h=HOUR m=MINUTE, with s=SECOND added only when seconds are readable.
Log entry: h=7 m=20
